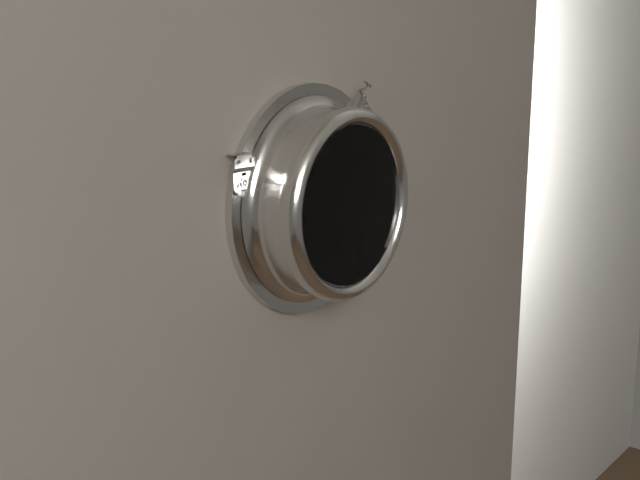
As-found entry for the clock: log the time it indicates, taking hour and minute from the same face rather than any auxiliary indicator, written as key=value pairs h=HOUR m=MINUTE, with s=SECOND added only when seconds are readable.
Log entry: h=5 m=4
